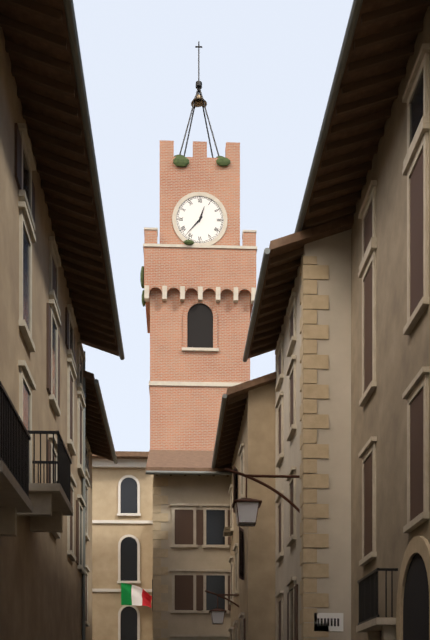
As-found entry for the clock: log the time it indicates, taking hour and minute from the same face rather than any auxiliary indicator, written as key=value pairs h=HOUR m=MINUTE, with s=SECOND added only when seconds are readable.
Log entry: h=12 m=37
